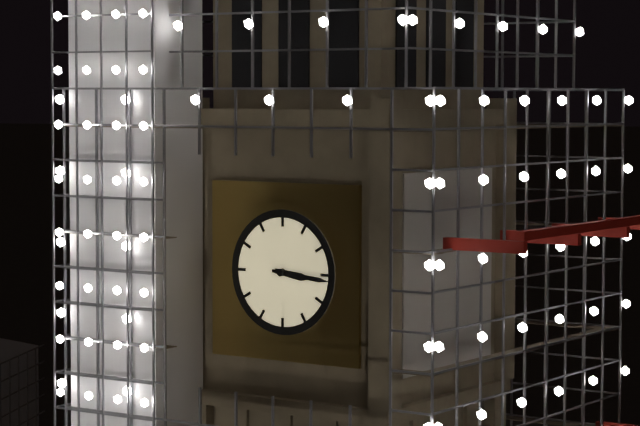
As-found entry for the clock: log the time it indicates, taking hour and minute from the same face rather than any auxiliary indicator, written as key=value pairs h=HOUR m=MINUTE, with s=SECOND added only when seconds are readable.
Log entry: h=3 m=16
